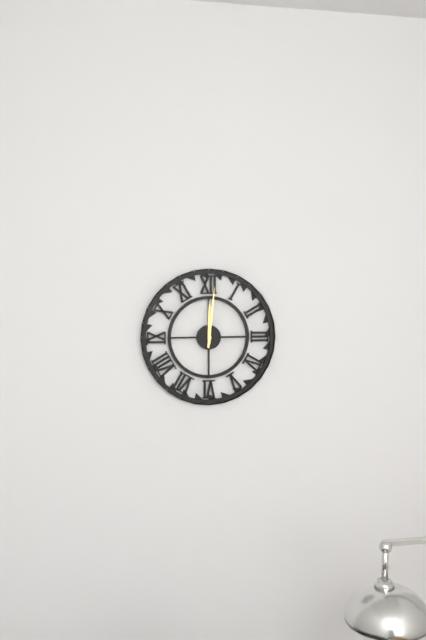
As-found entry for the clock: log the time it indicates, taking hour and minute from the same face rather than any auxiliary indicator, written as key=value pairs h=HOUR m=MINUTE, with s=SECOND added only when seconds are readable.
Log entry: h=12 m=1
